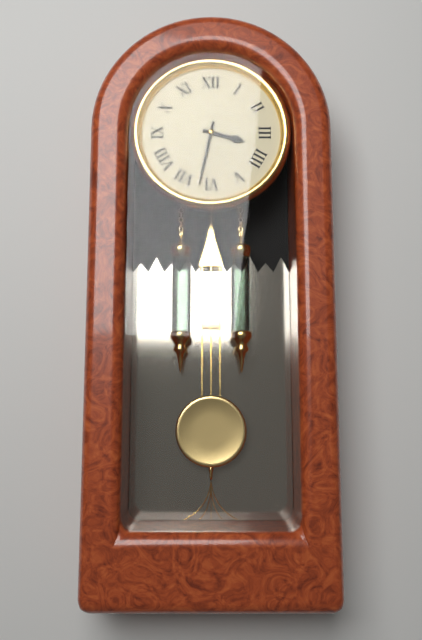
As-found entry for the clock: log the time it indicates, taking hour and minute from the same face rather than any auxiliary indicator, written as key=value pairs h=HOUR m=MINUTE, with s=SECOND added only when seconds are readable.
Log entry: h=3 m=32
